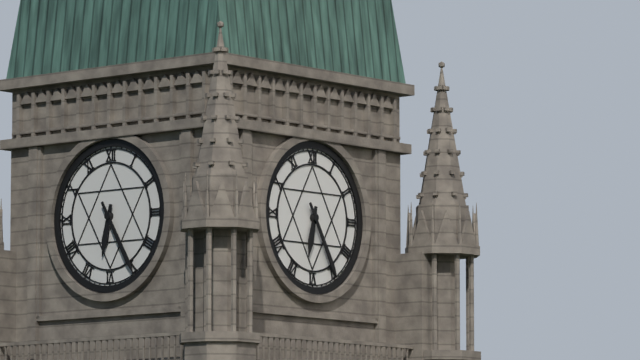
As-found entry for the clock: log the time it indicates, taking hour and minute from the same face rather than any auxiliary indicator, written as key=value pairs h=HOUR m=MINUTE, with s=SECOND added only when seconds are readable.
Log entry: h=6 m=25
